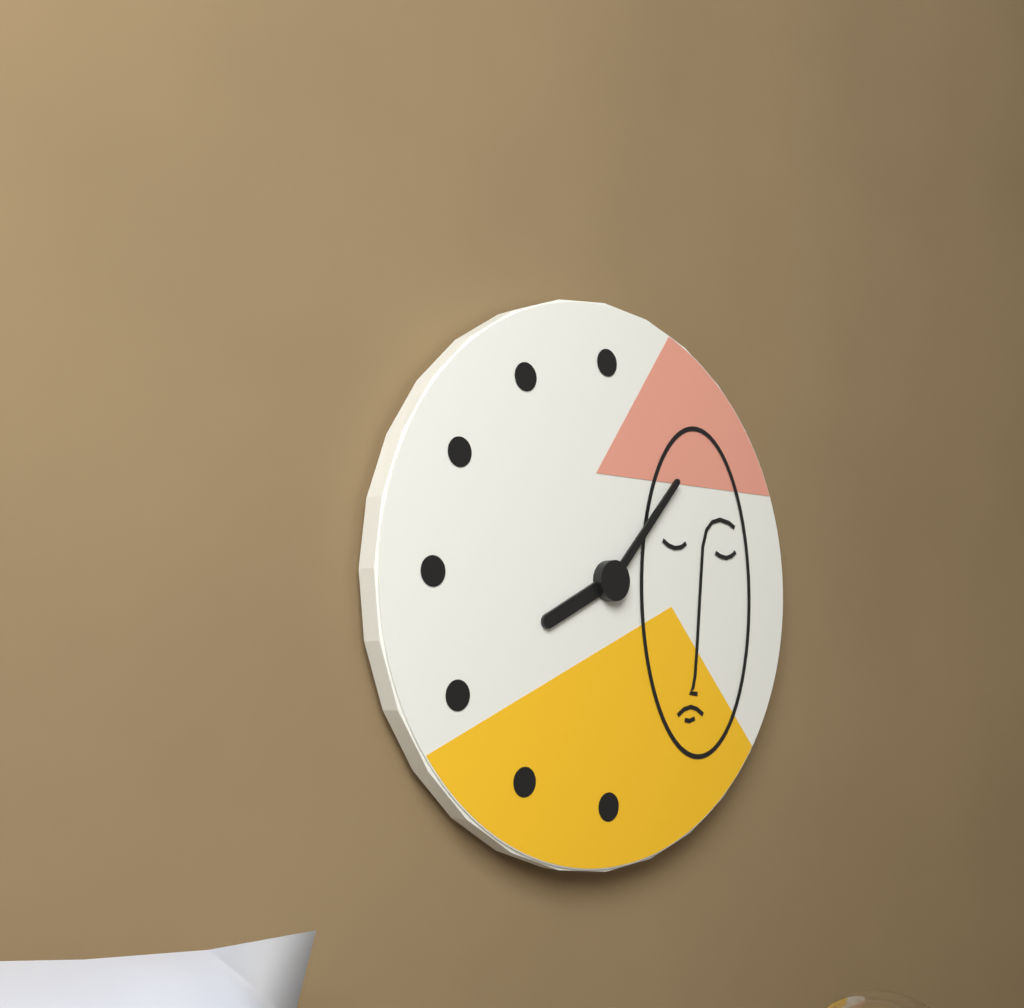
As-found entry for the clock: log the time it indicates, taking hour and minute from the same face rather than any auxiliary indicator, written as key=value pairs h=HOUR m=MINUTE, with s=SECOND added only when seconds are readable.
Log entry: h=8 m=7
